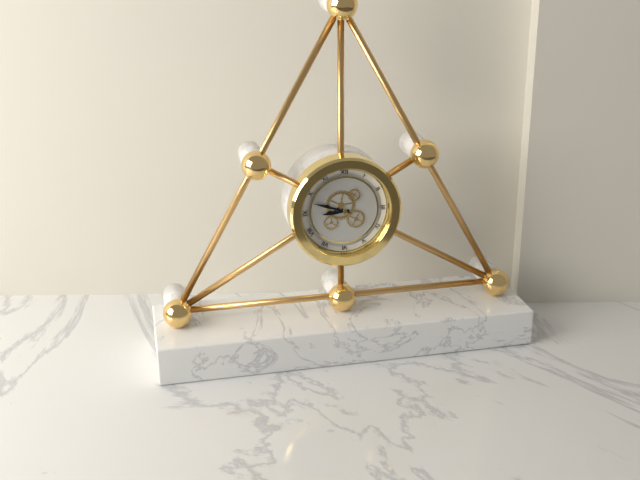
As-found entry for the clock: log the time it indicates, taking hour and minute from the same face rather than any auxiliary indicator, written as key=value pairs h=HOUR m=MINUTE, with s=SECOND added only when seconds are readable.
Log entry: h=8 m=48
